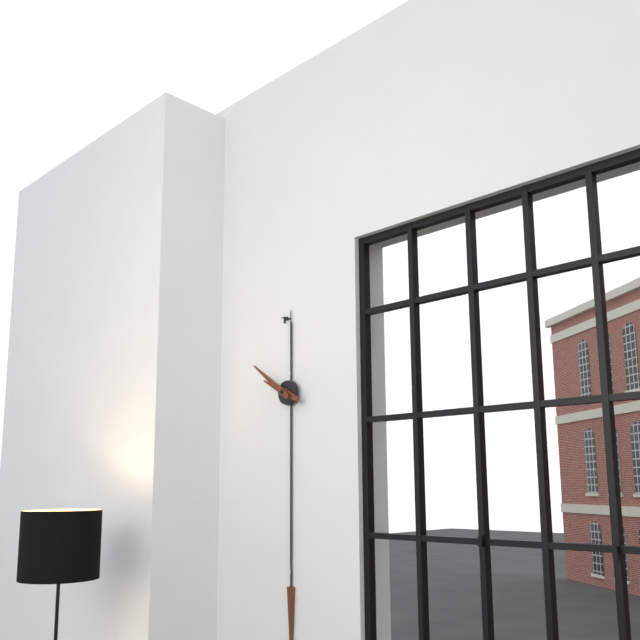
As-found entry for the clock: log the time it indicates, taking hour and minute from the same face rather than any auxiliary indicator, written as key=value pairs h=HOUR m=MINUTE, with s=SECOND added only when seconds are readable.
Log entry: h=9 m=51
